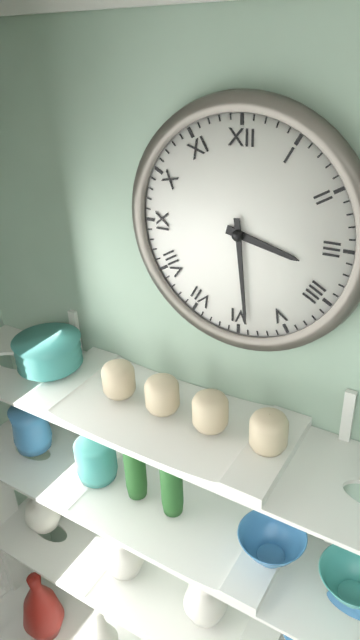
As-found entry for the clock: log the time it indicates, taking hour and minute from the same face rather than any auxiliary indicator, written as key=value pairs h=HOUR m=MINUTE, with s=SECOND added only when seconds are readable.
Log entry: h=3 m=29
